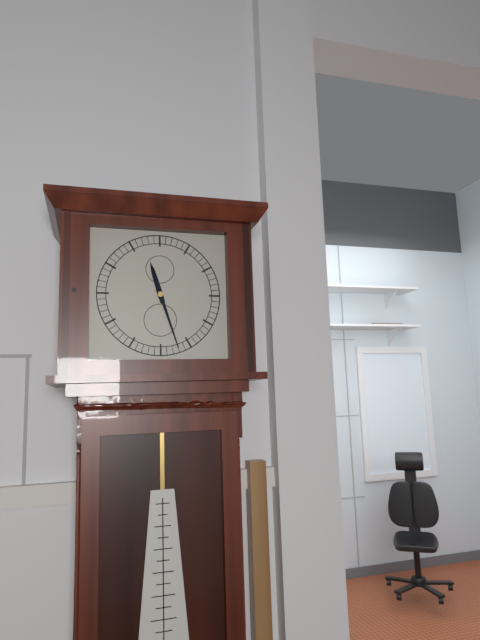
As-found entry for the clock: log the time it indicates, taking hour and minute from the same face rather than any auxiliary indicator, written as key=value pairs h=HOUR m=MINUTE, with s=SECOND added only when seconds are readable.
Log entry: h=11 m=27
